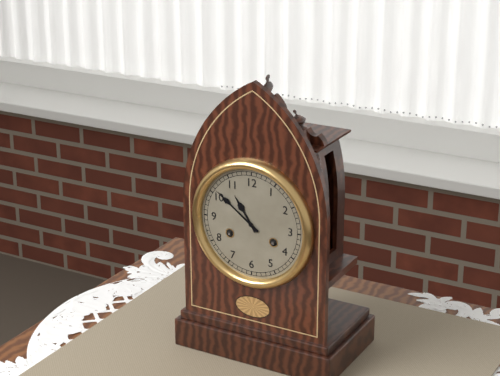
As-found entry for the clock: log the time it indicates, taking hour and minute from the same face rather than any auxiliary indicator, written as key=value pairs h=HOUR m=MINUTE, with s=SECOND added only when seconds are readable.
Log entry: h=10 m=51
